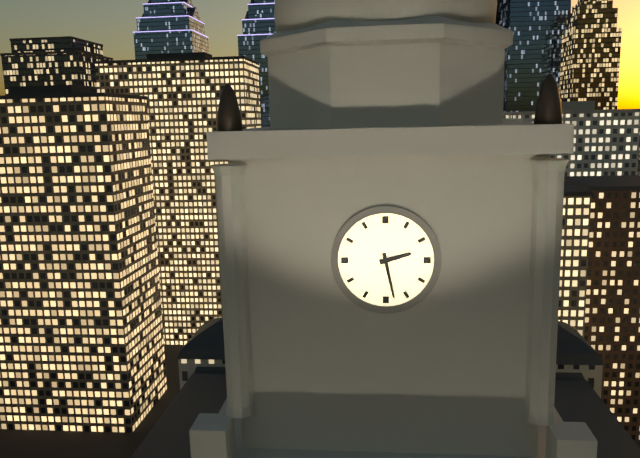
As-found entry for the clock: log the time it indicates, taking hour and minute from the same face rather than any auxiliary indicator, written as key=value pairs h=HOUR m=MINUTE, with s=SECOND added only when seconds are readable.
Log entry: h=2 m=28
